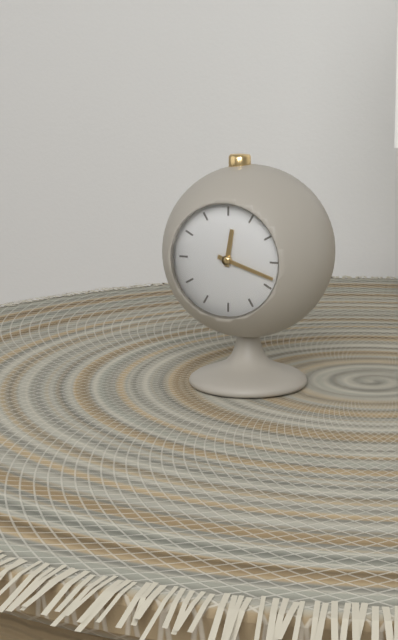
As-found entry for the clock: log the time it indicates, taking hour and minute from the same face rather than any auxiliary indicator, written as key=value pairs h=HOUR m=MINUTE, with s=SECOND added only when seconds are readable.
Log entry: h=12 m=18
